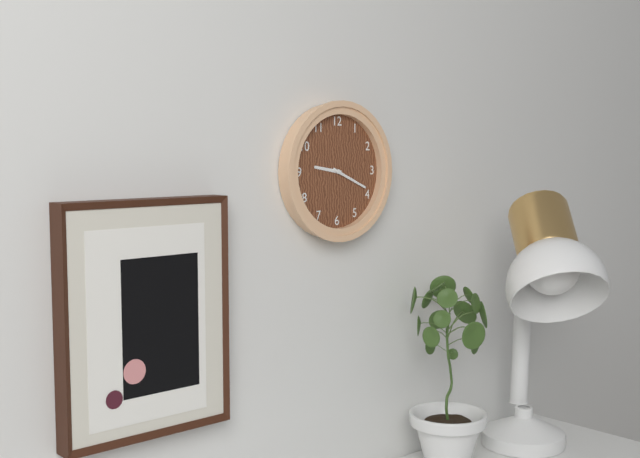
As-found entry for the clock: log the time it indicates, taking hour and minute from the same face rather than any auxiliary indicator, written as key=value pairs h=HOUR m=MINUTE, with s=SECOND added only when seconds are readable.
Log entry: h=9 m=19
